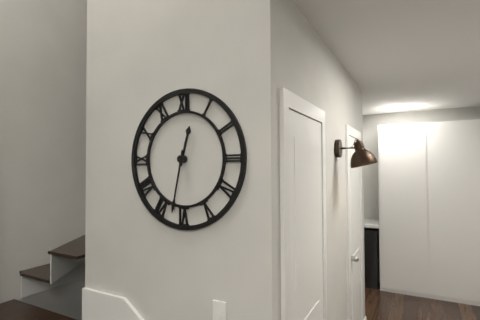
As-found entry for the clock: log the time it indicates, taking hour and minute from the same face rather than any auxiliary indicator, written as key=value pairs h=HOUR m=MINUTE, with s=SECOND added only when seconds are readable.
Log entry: h=12 m=32
